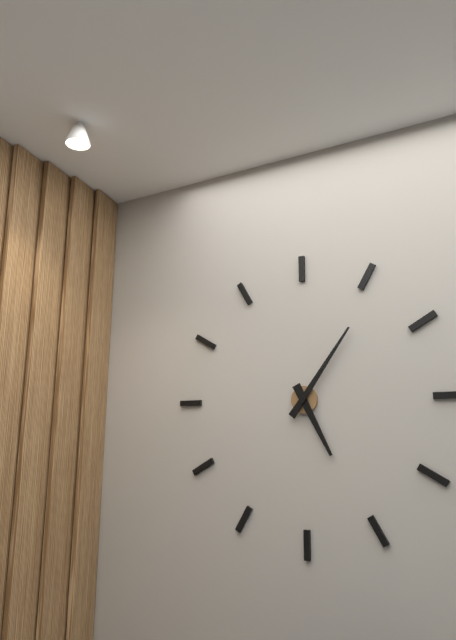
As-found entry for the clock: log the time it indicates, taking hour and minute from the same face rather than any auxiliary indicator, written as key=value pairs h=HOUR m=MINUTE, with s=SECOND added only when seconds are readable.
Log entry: h=5 m=6
